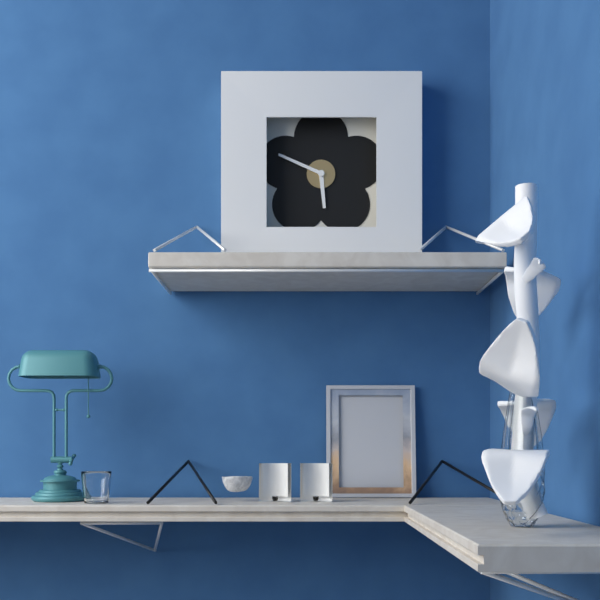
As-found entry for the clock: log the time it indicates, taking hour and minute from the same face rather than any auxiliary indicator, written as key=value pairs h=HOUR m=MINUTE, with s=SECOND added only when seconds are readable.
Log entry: h=5 m=49
